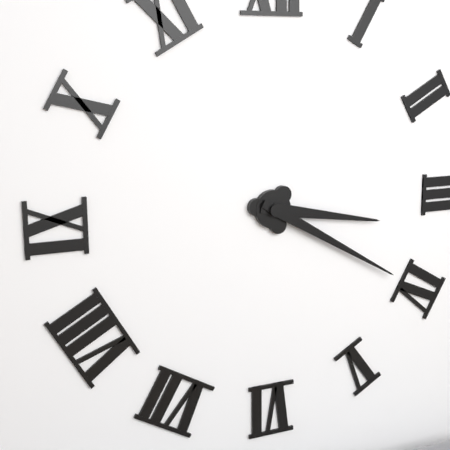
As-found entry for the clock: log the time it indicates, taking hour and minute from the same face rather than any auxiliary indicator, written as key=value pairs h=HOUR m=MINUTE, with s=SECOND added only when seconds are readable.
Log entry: h=3 m=20
